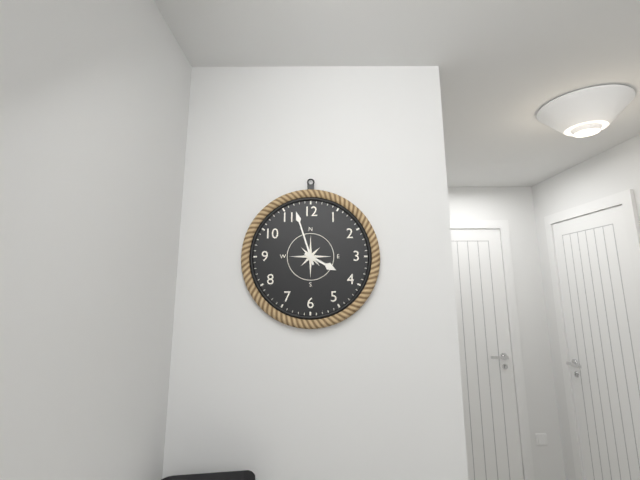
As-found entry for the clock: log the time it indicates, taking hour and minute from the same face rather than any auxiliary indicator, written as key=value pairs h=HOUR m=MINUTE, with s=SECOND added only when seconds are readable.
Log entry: h=3 m=57
